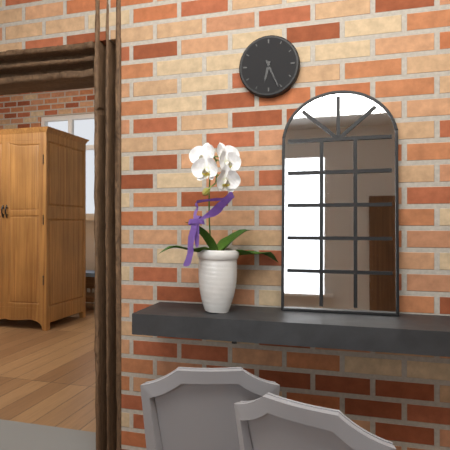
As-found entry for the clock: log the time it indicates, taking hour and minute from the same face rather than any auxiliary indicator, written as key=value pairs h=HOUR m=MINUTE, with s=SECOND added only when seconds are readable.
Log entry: h=6 m=26
